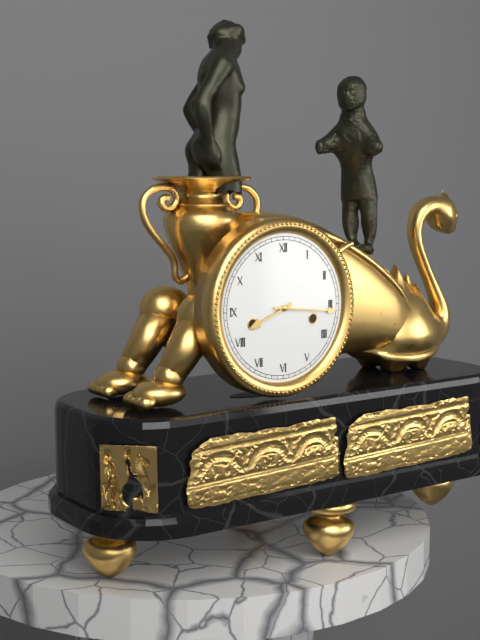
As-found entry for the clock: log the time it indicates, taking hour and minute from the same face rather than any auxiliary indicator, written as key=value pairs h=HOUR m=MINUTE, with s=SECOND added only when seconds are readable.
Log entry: h=8 m=16
